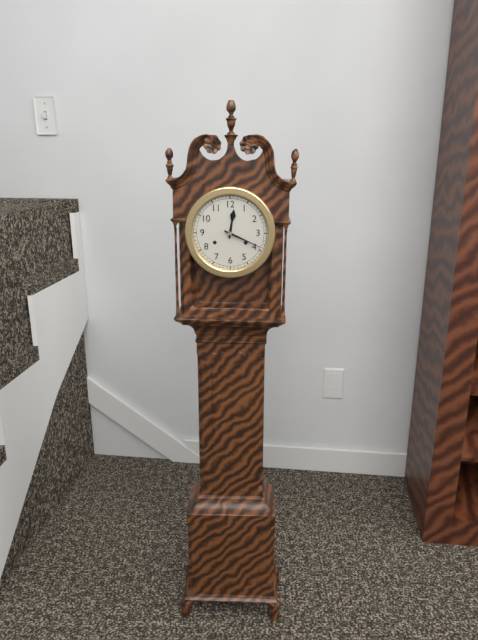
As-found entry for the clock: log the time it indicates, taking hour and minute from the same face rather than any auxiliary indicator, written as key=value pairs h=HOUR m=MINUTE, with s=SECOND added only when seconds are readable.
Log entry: h=12 m=19
